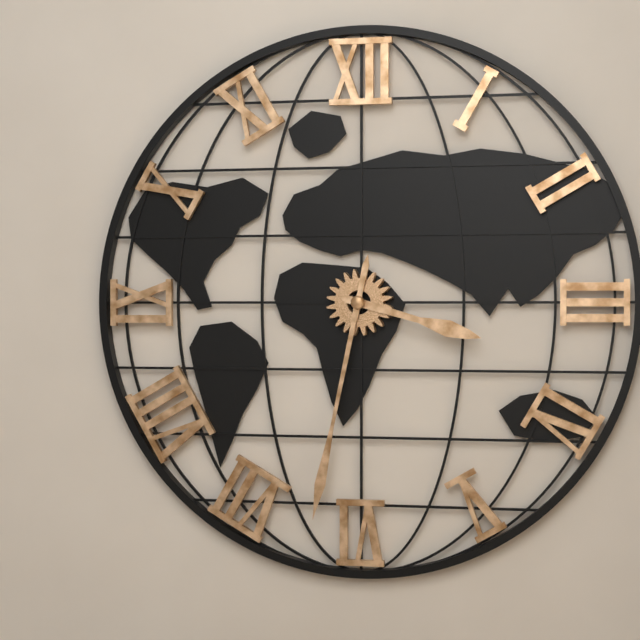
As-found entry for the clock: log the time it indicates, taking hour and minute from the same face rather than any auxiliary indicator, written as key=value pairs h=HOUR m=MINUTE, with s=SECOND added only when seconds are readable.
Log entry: h=3 m=32
